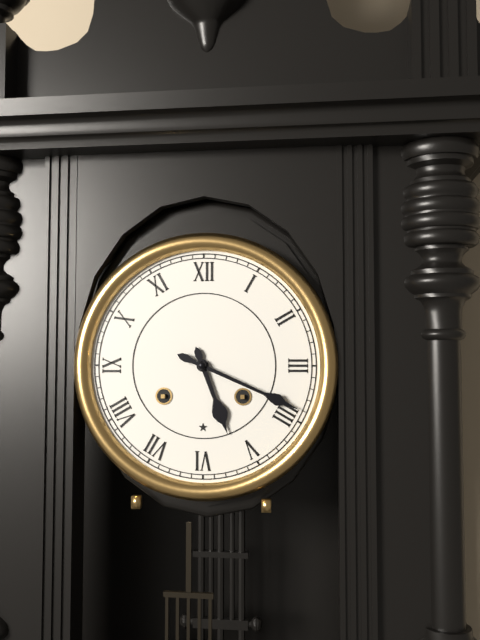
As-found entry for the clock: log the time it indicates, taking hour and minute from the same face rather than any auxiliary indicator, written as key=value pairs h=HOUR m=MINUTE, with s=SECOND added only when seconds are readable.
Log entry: h=5 m=19
